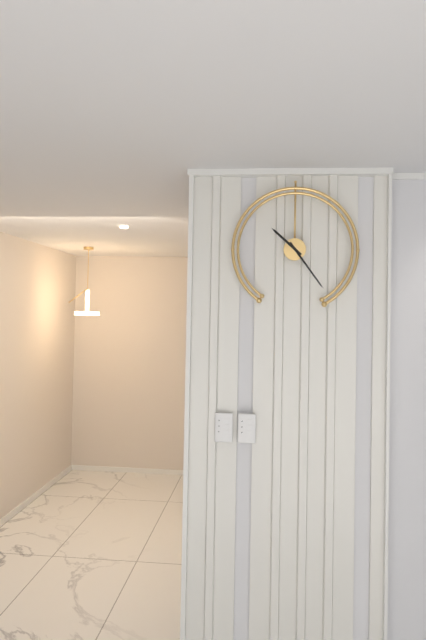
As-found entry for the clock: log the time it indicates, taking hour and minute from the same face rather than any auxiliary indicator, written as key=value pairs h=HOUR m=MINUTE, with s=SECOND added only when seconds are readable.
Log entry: h=10 m=24
